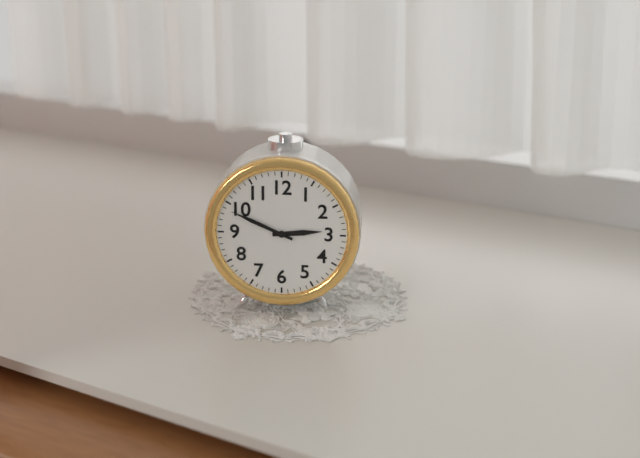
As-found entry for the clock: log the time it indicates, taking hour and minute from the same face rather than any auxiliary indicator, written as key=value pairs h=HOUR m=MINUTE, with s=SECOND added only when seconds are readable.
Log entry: h=2 m=49
